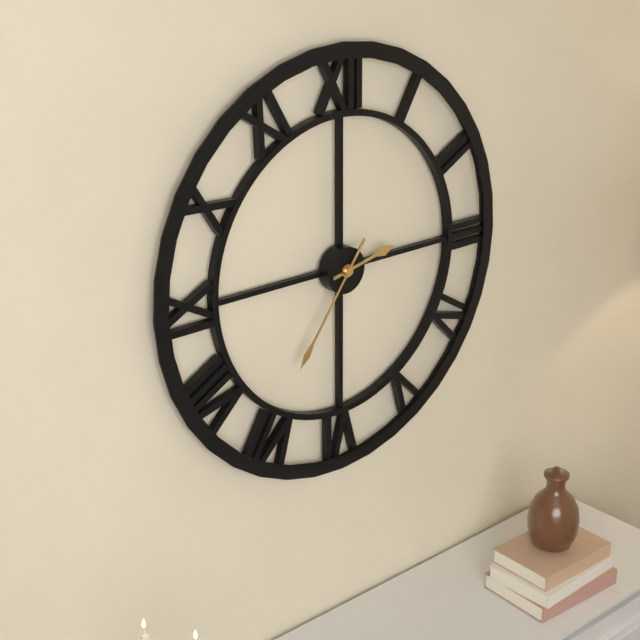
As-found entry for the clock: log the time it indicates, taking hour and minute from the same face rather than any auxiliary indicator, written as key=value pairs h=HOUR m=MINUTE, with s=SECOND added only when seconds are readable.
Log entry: h=2 m=36
